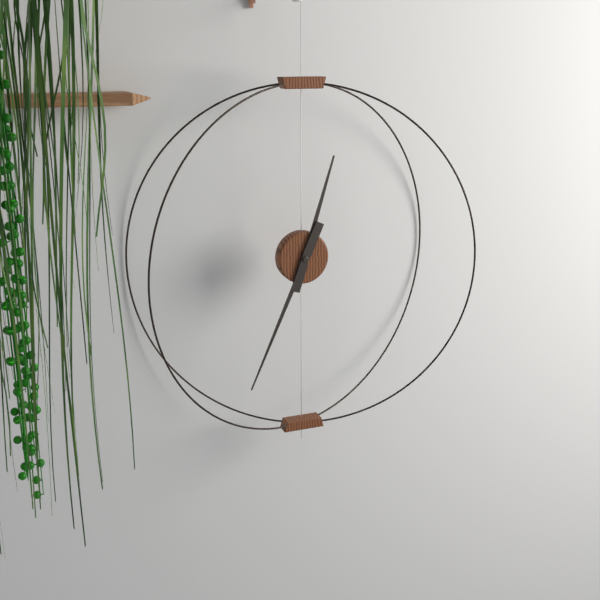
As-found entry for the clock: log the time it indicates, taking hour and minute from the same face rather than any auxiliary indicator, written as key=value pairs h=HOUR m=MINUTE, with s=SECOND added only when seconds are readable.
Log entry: h=12 m=34
